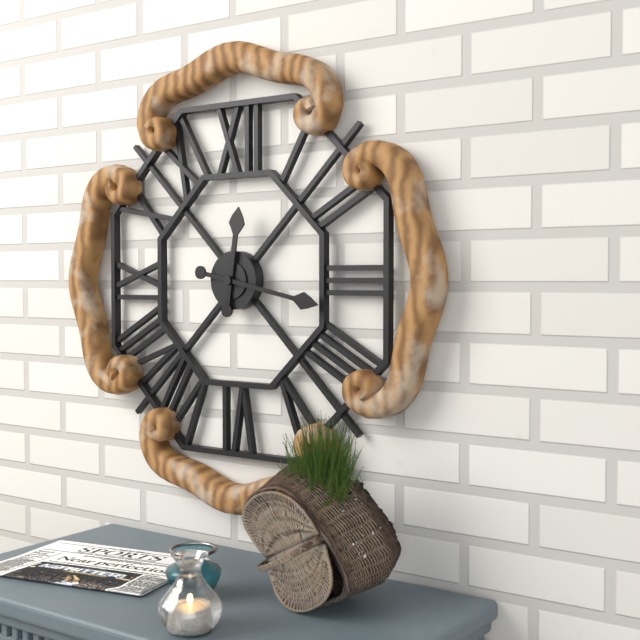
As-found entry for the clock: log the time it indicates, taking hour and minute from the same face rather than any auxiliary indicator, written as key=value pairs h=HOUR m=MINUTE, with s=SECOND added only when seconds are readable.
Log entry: h=12 m=17
